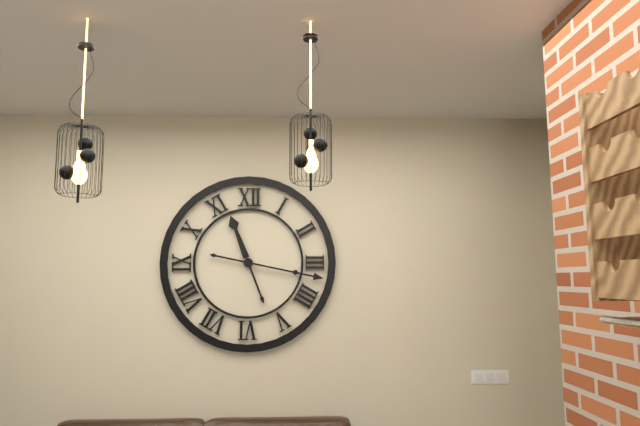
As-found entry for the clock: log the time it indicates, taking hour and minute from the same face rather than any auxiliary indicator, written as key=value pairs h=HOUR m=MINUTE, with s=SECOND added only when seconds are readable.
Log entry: h=11 m=17
